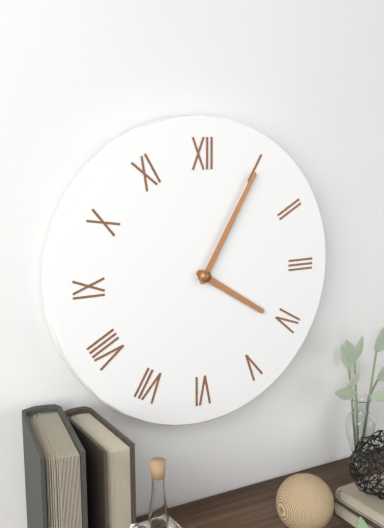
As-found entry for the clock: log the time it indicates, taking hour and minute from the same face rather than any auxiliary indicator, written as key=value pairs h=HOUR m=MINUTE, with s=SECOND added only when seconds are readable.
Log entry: h=4 m=5
